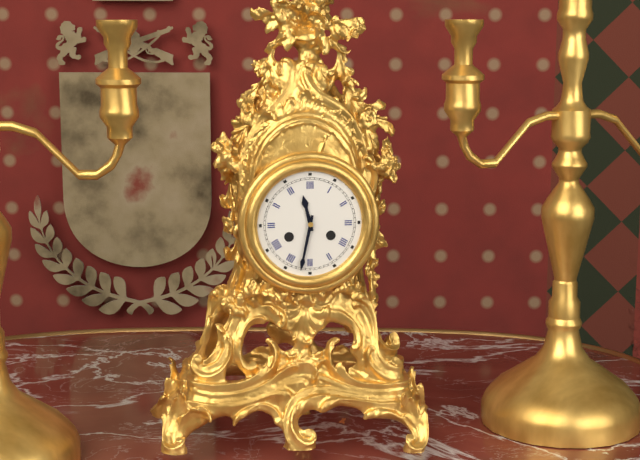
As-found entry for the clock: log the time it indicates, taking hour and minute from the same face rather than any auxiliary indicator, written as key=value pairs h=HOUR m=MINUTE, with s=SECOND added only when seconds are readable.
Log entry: h=11 m=32
